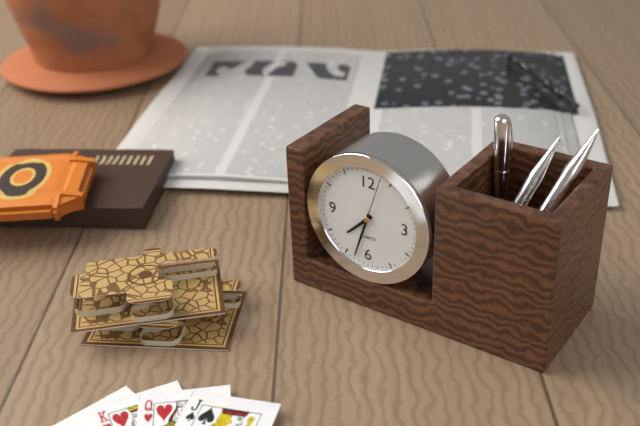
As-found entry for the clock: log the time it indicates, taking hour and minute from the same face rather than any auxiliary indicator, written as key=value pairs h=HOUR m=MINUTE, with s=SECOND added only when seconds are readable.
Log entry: h=7 m=33
